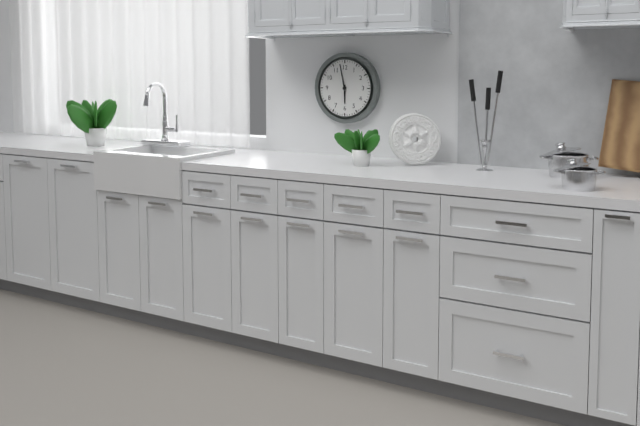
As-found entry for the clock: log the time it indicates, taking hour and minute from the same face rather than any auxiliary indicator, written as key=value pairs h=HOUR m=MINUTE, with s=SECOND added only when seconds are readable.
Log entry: h=5 m=58
